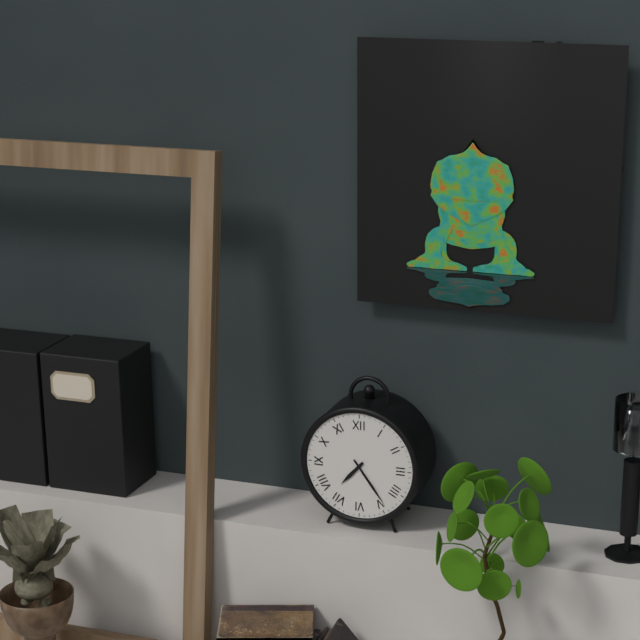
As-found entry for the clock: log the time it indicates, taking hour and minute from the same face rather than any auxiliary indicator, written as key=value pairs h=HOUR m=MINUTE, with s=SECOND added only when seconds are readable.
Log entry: h=7 m=24
